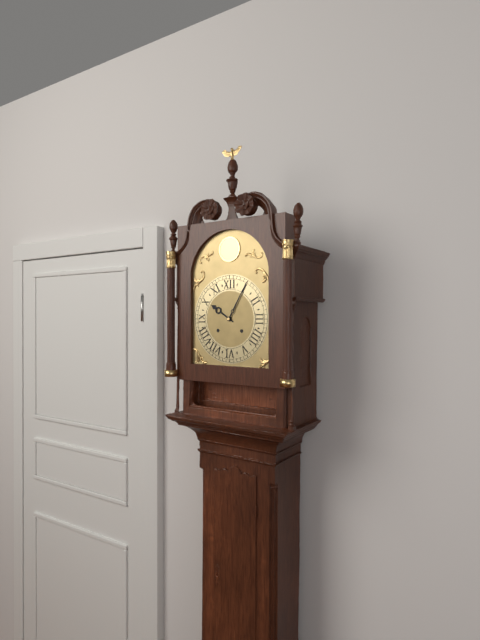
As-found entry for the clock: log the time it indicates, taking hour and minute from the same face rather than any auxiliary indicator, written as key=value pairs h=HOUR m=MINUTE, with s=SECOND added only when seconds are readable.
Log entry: h=10 m=5
